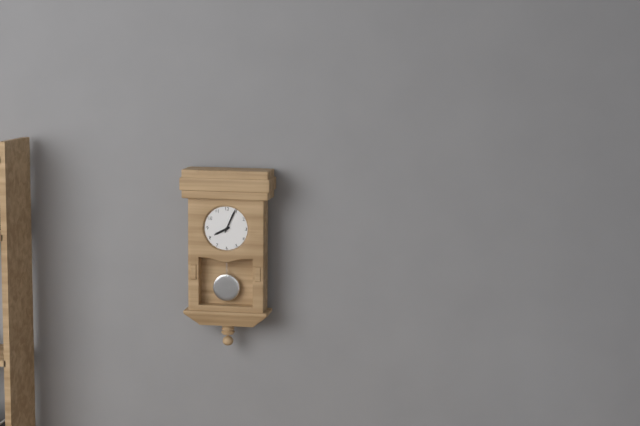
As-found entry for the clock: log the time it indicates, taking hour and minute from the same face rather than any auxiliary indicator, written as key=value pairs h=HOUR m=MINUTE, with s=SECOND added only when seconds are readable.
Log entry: h=8 m=4
